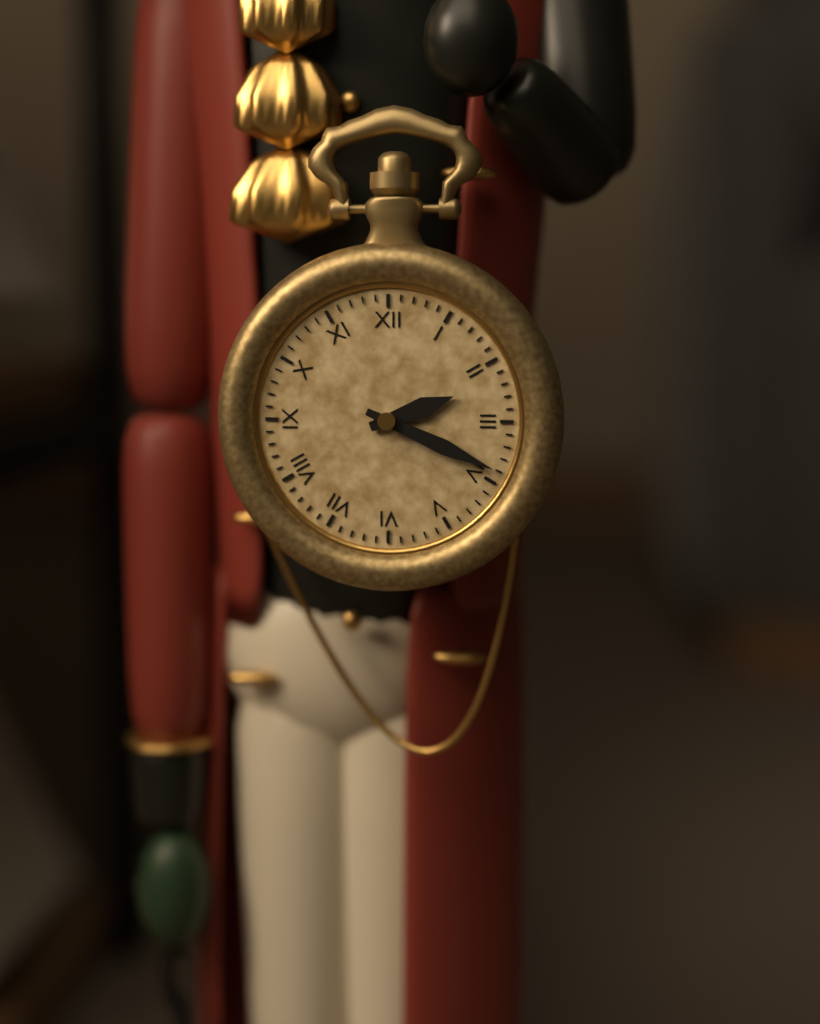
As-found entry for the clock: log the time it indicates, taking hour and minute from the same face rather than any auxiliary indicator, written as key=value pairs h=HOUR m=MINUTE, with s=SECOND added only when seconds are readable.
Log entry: h=2 m=19
